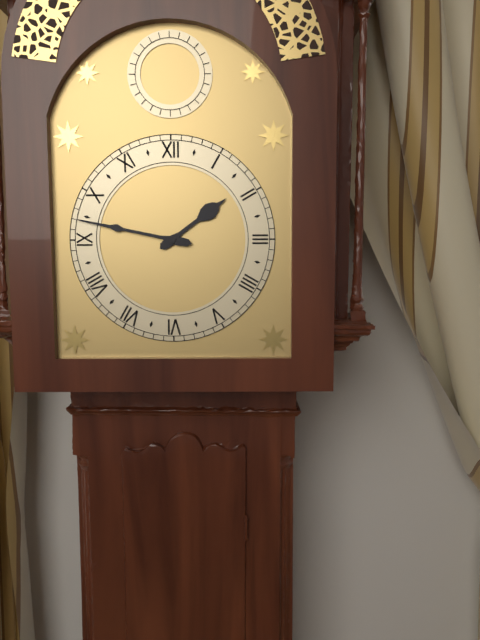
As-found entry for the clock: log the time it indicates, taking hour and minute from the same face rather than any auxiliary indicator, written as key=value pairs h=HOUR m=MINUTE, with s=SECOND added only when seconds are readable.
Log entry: h=1 m=47
